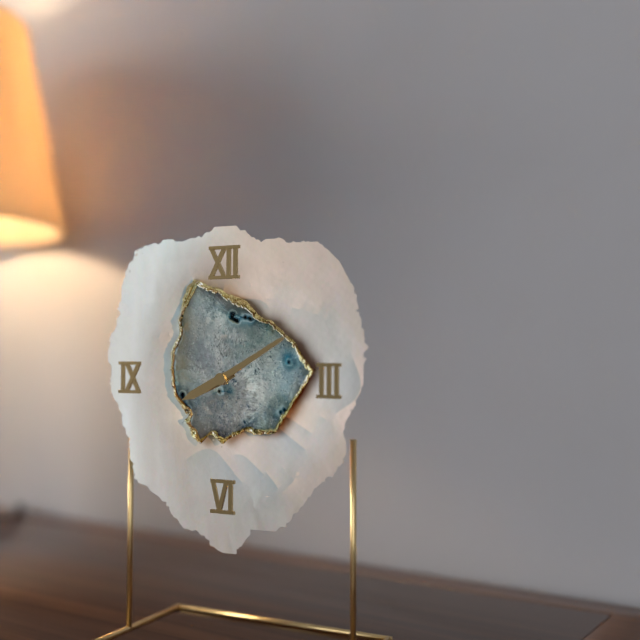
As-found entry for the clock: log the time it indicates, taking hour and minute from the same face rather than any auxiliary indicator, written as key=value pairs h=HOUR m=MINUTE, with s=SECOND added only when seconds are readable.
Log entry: h=8 m=10
